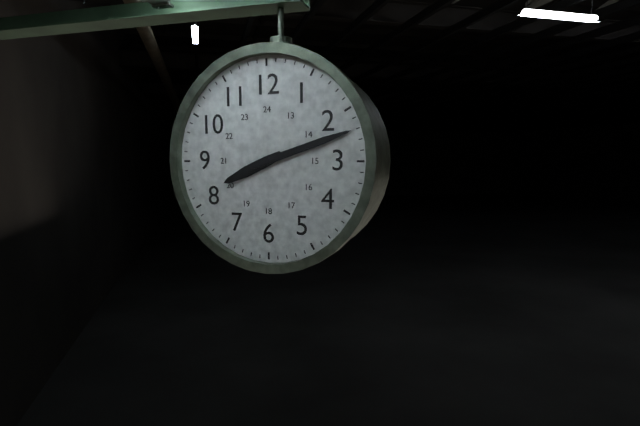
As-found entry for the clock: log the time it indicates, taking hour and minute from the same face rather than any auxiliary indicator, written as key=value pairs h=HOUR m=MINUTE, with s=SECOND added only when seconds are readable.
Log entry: h=8 m=12
